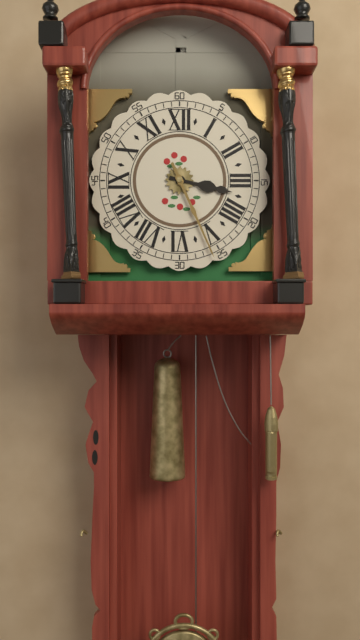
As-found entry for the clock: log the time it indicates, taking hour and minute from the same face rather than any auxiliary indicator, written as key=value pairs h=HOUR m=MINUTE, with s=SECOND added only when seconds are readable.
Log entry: h=3 m=26
